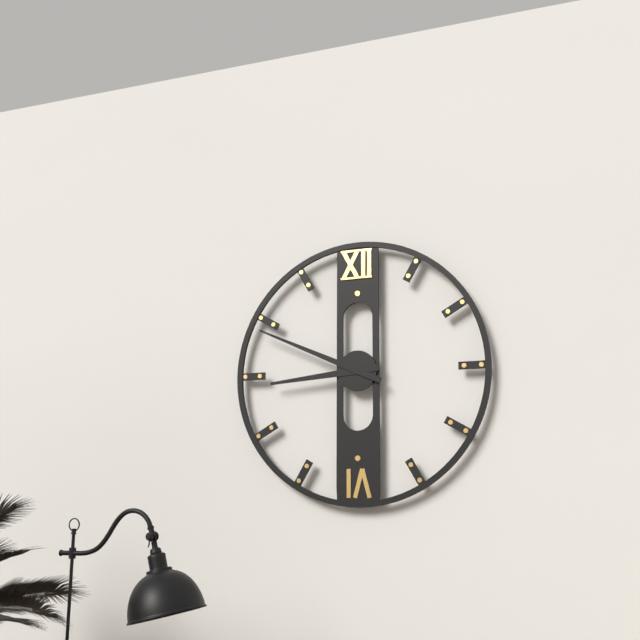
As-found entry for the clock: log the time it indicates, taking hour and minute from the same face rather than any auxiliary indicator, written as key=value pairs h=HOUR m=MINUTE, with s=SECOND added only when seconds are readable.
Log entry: h=8 m=49
